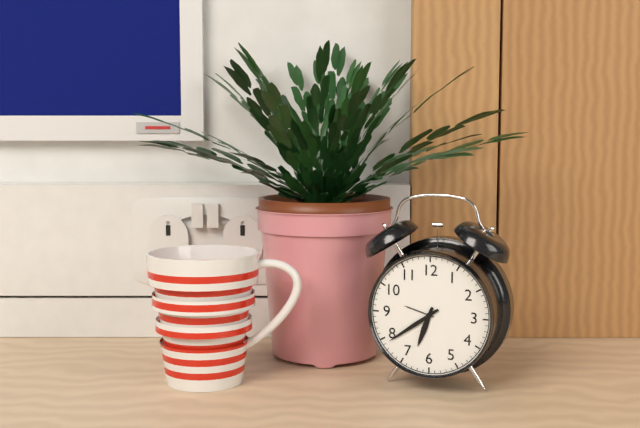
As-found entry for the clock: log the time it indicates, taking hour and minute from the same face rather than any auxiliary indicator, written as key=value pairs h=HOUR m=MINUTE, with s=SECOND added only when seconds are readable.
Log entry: h=6 m=39
